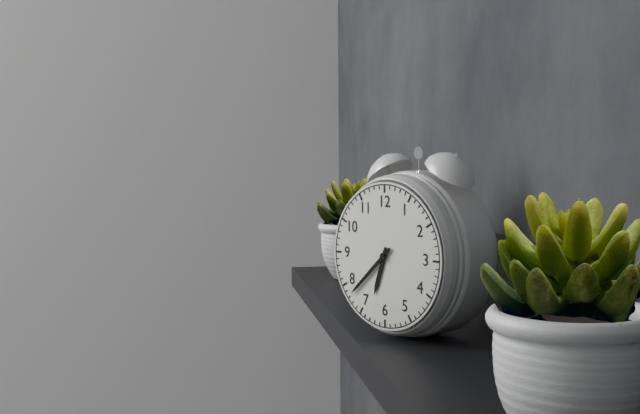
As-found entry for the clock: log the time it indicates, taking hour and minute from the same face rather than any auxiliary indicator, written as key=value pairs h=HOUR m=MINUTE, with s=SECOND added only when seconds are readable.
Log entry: h=6 m=38
